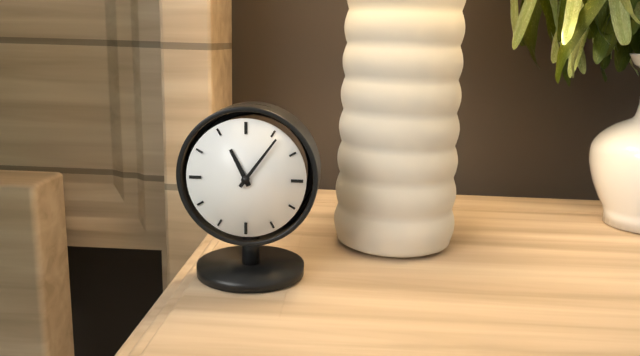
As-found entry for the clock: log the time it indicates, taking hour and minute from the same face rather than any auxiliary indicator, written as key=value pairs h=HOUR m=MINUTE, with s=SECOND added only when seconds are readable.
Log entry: h=11 m=6
